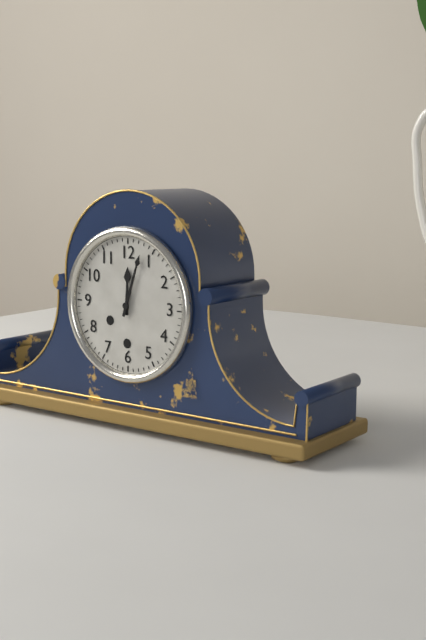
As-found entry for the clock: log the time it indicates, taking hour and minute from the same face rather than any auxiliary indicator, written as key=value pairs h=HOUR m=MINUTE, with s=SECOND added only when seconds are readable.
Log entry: h=12 m=3
